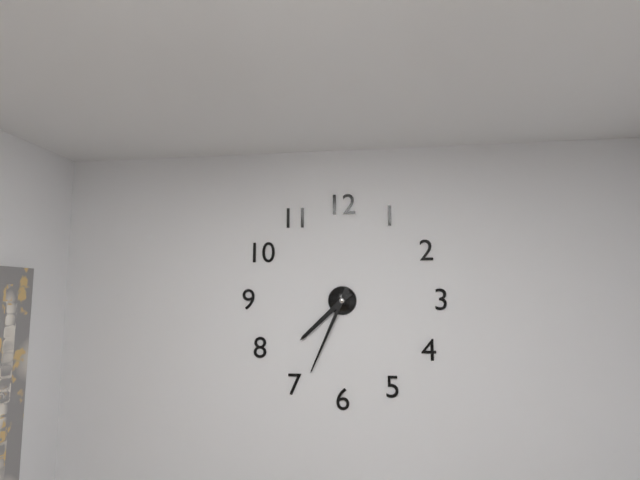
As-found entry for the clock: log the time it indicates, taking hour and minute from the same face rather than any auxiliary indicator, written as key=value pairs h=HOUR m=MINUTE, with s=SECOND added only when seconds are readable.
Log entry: h=7 m=34
